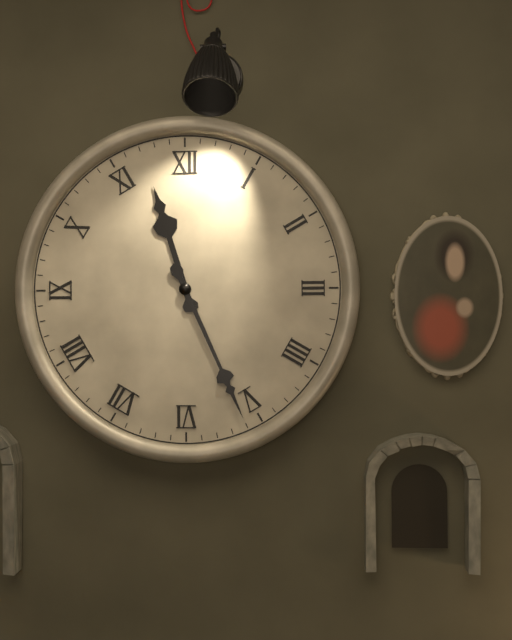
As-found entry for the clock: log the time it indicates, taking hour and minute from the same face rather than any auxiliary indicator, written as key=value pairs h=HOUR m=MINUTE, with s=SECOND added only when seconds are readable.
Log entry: h=11 m=26
